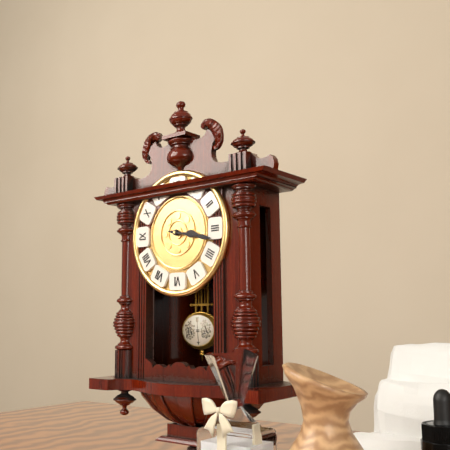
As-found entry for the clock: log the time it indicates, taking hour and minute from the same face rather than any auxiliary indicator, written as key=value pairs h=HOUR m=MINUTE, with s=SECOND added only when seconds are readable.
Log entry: h=3 m=17
